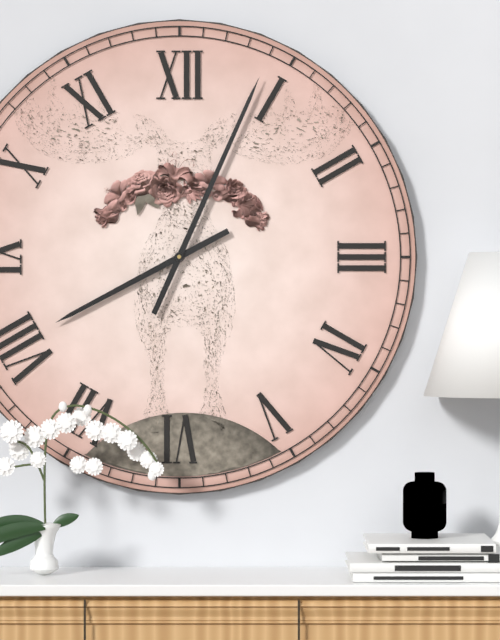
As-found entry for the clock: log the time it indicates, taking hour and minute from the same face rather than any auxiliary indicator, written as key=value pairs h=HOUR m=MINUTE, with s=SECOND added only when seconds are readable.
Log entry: h=8 m=4
